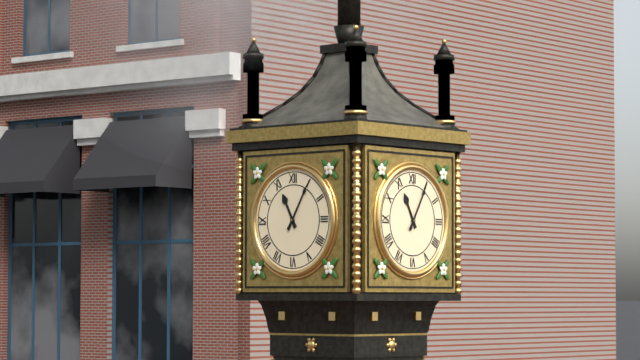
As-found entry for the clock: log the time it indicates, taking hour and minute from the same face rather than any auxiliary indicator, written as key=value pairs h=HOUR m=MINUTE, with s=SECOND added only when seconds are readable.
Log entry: h=11 m=5
